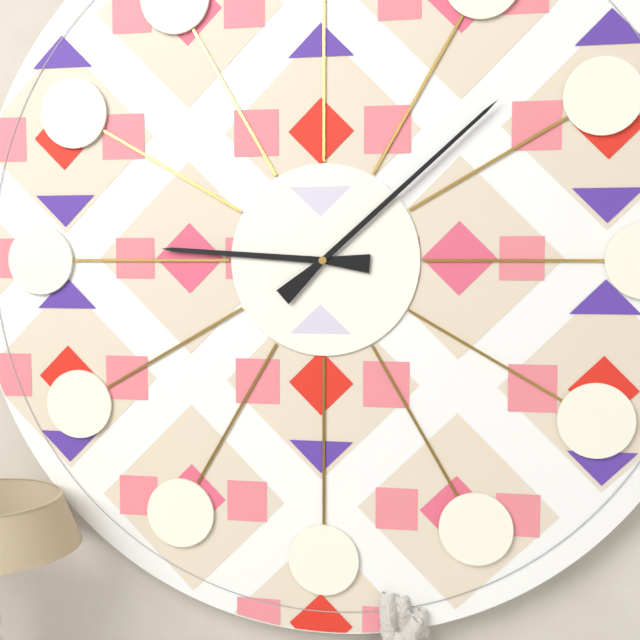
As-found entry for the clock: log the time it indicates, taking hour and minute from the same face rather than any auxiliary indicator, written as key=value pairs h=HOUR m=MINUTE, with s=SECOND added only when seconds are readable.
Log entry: h=9 m=8
